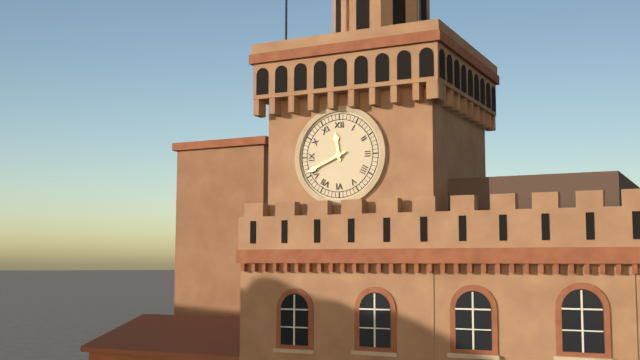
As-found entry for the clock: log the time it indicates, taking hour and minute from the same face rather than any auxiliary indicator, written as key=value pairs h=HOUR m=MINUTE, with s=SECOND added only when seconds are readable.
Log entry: h=11 m=41
